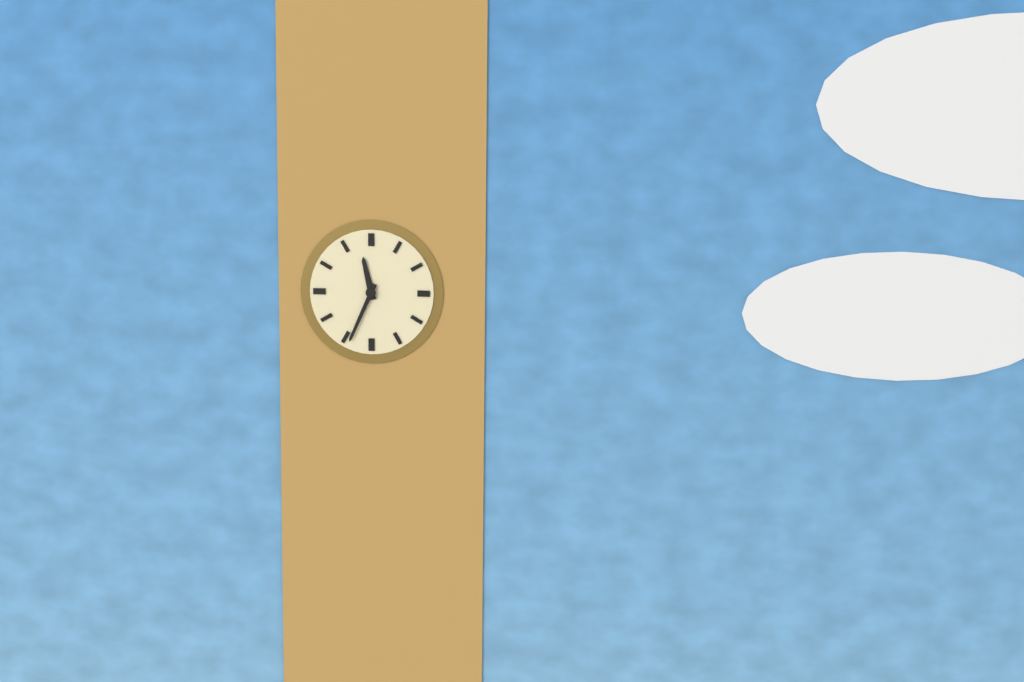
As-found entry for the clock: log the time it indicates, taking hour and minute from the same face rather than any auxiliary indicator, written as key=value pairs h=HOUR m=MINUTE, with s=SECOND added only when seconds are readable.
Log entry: h=11 m=34
